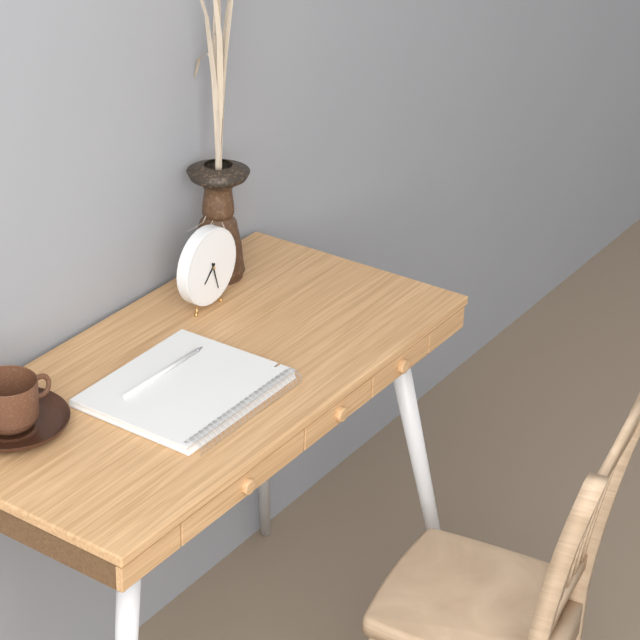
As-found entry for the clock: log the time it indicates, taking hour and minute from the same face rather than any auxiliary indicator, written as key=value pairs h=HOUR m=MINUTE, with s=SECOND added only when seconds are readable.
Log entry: h=7 m=27
